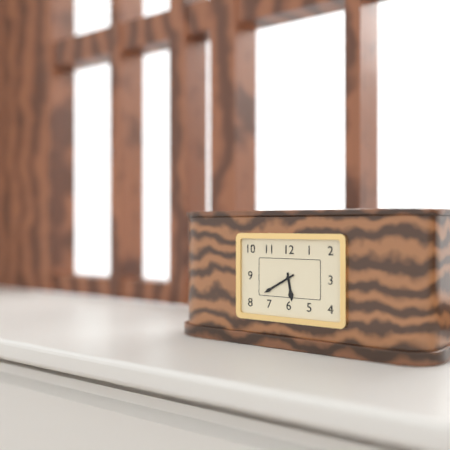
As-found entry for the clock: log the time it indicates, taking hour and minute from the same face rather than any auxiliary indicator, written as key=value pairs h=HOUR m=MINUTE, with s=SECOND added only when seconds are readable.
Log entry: h=5 m=40
